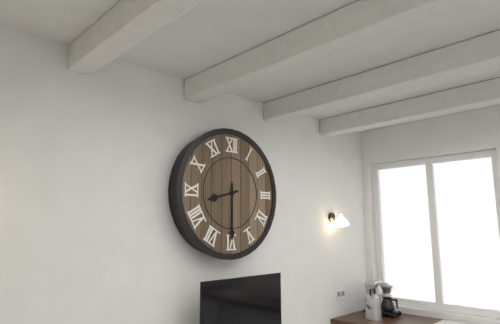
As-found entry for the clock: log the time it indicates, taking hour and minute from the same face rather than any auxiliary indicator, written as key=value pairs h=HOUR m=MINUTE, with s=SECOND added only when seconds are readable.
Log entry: h=8 m=30
